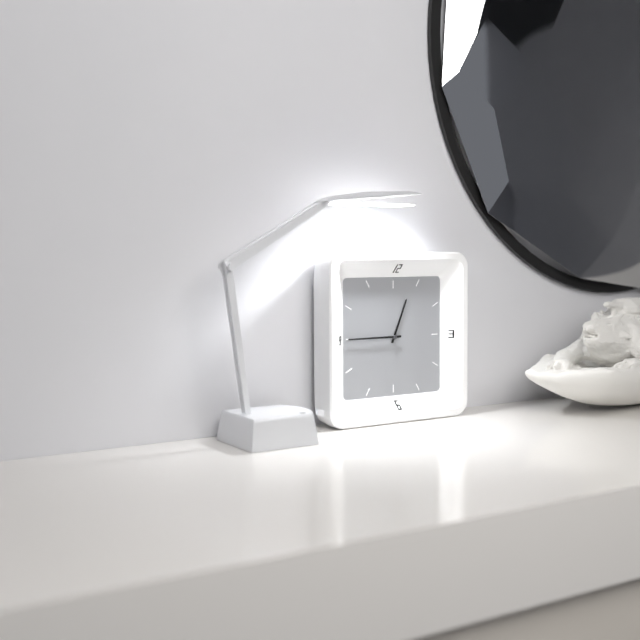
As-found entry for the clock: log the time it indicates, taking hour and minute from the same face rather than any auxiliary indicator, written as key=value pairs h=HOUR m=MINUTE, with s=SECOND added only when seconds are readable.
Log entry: h=12 m=45
